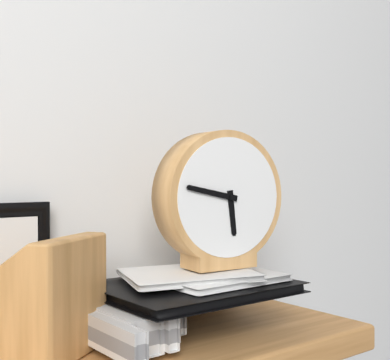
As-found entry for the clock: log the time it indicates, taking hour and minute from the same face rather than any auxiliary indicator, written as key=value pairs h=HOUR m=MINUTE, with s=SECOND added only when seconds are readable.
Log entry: h=5 m=47
